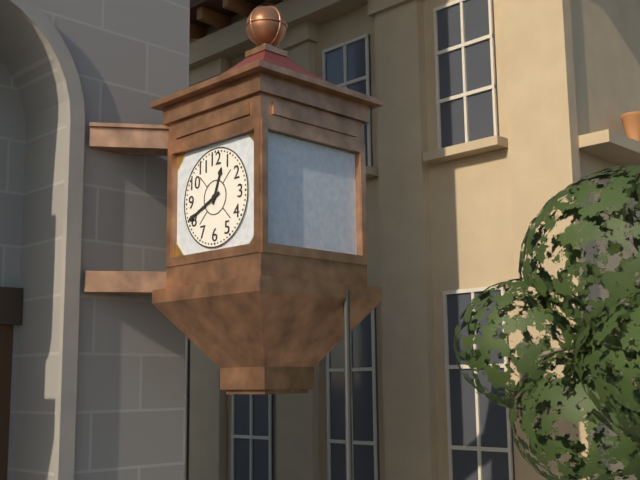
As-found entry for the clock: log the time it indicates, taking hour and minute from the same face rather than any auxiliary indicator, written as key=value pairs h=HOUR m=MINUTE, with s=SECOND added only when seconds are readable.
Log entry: h=12 m=41
